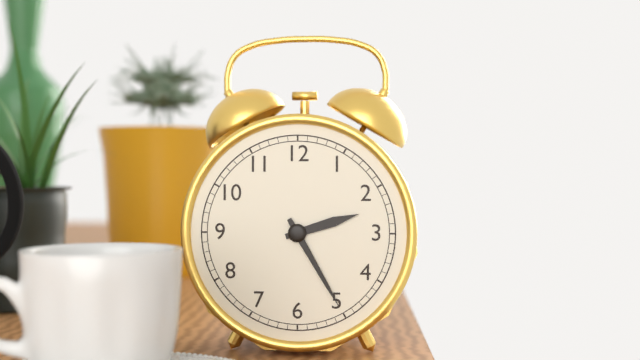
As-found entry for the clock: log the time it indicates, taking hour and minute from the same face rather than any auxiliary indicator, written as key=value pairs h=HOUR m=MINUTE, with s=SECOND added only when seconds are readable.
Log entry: h=2 m=25
